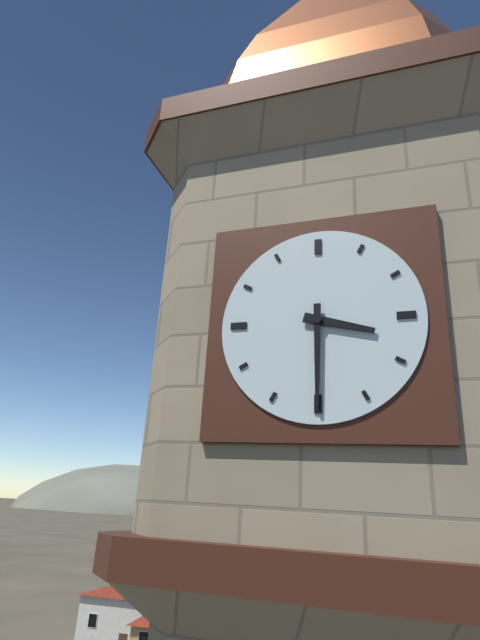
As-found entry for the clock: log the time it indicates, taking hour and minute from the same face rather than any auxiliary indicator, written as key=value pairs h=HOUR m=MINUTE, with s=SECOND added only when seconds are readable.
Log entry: h=3 m=30
